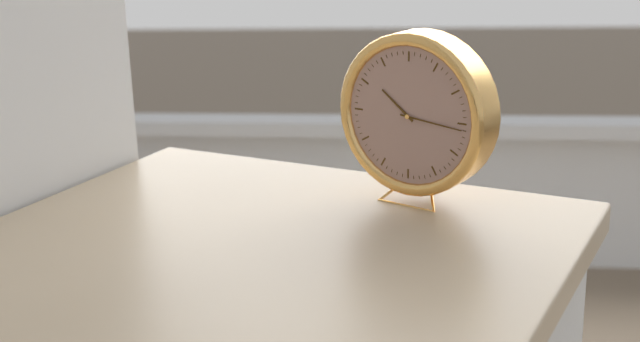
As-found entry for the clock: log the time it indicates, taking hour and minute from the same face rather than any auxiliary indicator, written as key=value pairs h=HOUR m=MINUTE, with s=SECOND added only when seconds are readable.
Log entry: h=10 m=16
